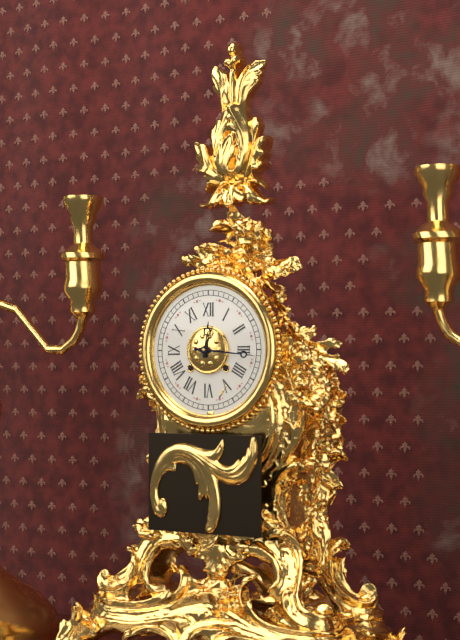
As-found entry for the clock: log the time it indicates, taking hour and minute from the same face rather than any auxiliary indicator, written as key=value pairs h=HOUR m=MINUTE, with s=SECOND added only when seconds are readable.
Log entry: h=12 m=16
